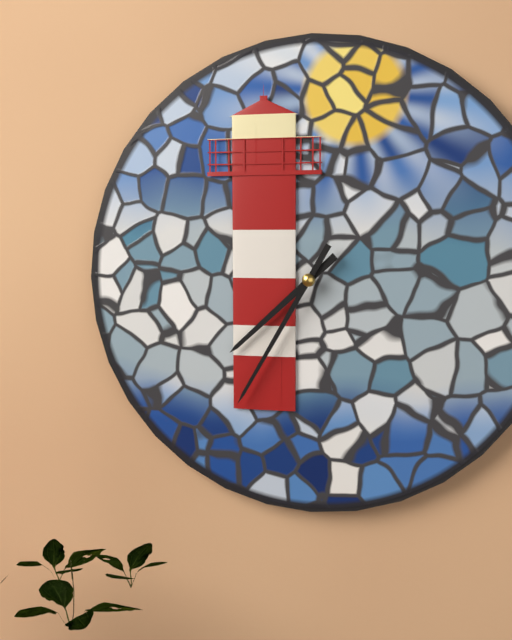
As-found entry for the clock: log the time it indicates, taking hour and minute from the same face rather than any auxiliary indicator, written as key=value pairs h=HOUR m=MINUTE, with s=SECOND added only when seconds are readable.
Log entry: h=7 m=35
